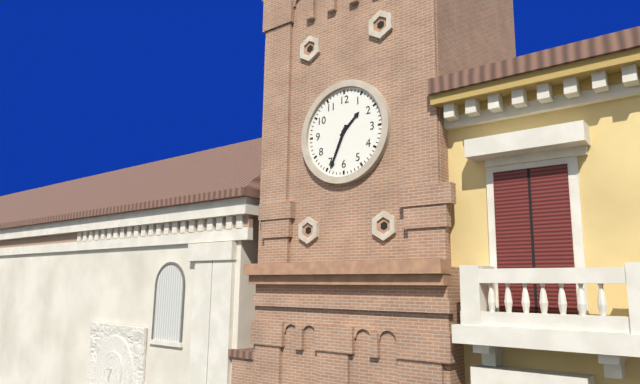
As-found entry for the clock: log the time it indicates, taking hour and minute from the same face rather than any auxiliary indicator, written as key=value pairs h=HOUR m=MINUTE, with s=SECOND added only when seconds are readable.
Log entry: h=1 m=34
